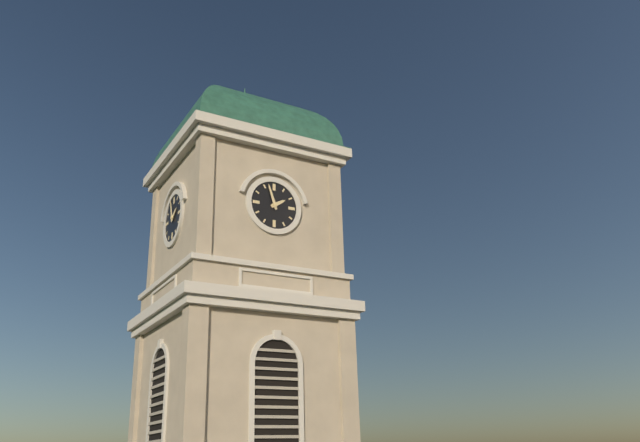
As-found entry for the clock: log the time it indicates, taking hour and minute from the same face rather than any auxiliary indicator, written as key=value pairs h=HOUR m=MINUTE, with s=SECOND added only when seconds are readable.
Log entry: h=1 m=57
